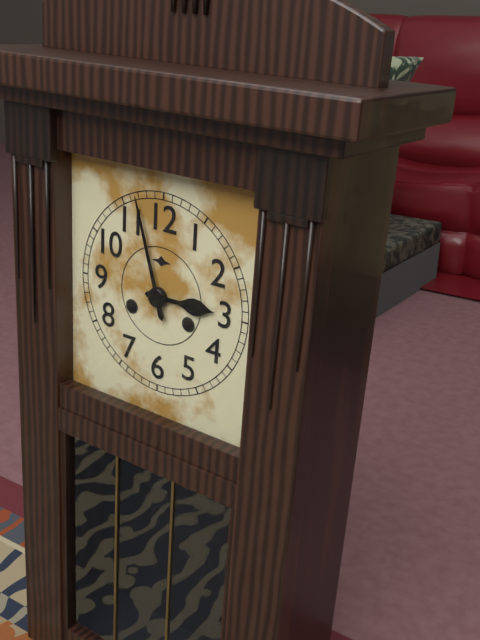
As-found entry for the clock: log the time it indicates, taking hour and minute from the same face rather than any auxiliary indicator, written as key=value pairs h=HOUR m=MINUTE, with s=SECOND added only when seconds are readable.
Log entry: h=2 m=57
